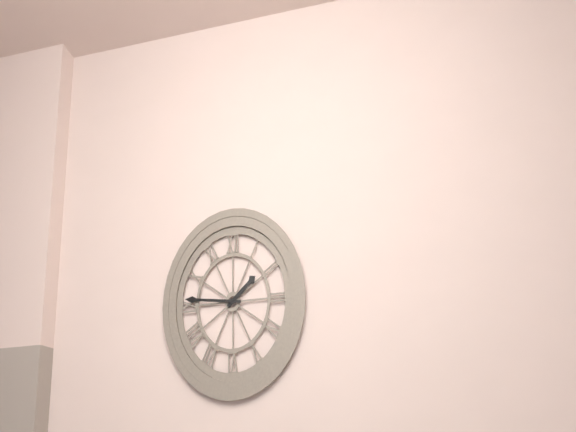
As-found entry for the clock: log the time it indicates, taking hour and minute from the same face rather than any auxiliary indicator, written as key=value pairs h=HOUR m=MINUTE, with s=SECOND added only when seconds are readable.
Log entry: h=1 m=46
